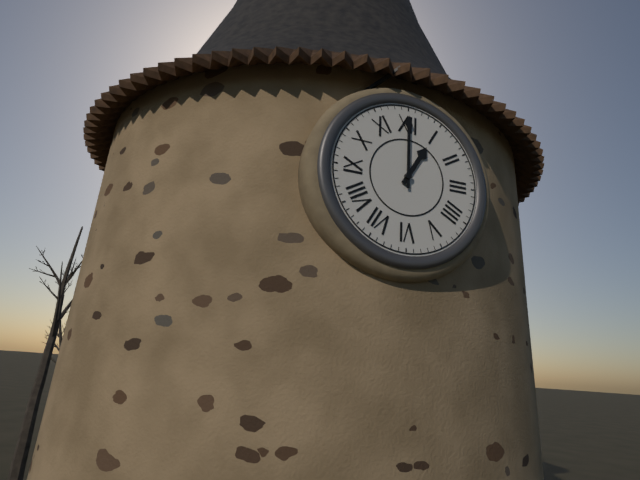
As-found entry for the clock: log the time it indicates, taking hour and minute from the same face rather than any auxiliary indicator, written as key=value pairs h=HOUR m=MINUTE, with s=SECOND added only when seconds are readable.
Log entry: h=1 m=0
